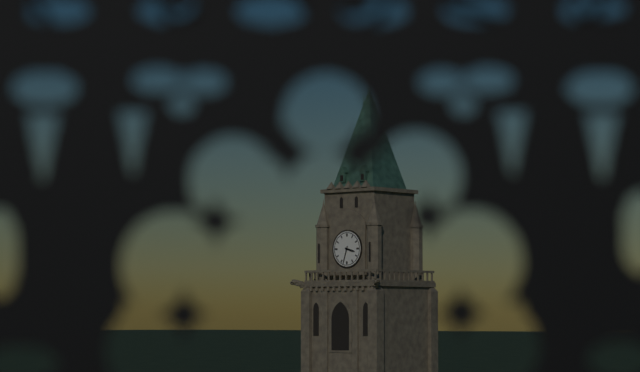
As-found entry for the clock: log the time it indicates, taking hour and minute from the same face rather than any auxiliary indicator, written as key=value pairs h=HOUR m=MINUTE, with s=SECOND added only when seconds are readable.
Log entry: h=3 m=33
